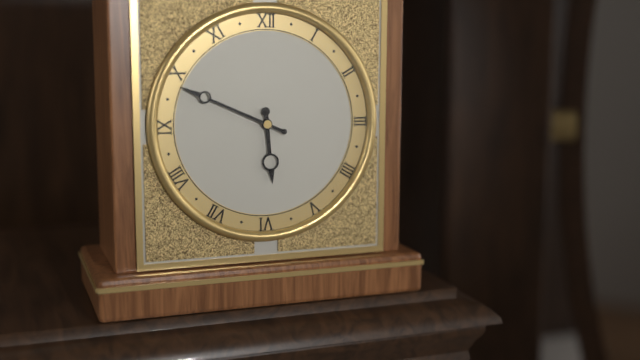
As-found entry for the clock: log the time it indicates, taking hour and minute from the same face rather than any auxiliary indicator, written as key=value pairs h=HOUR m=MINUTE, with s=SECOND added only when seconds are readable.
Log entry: h=5 m=49
